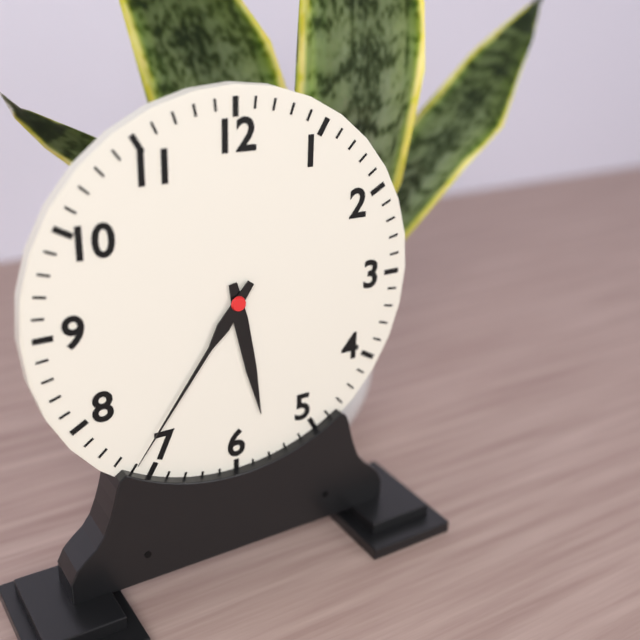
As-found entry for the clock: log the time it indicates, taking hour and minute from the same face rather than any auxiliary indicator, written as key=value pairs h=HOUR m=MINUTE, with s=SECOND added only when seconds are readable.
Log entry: h=5 m=36
